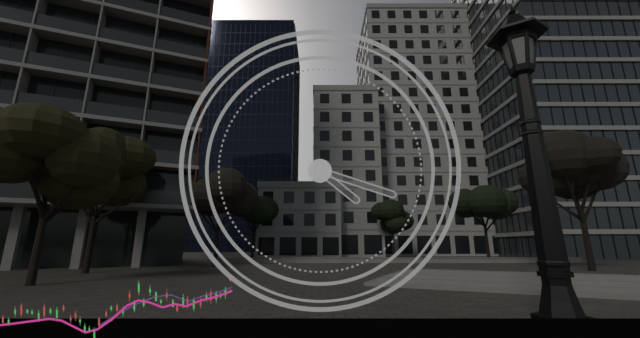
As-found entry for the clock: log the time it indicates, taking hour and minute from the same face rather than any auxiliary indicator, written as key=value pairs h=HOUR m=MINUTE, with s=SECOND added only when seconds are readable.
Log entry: h=4 m=18
